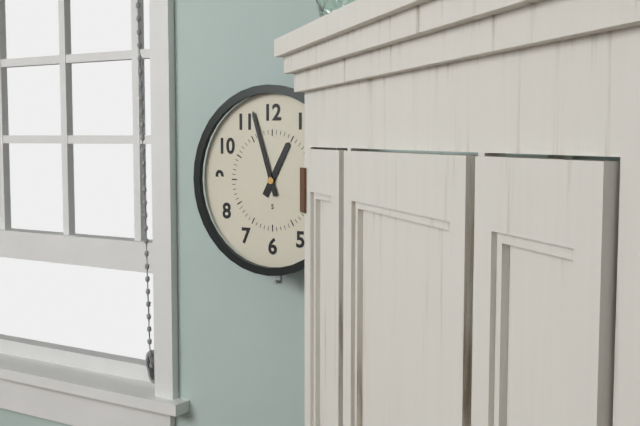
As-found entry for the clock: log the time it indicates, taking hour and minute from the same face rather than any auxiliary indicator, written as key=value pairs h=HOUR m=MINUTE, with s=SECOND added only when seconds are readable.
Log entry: h=12 m=57
